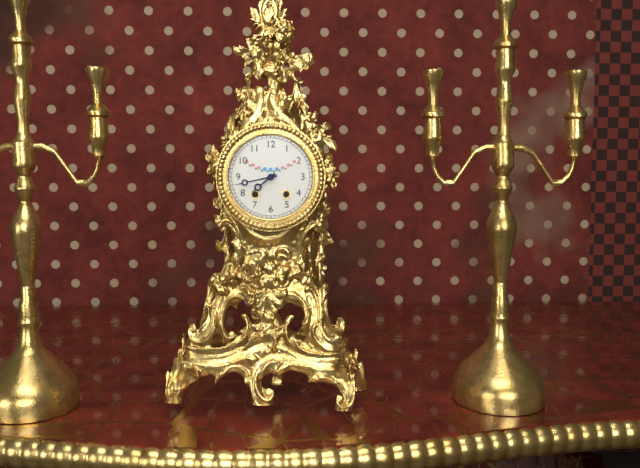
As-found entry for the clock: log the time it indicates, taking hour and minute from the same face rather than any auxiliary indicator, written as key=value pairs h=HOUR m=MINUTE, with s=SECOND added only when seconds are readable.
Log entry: h=7 m=43
